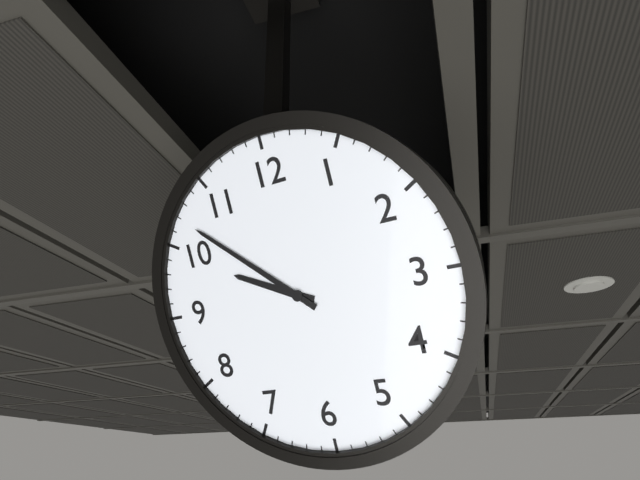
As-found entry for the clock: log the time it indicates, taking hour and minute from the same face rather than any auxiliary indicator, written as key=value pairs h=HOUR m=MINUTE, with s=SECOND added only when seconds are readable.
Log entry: h=9 m=52
